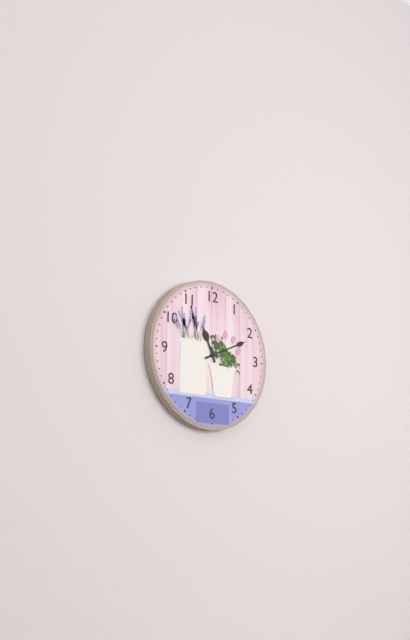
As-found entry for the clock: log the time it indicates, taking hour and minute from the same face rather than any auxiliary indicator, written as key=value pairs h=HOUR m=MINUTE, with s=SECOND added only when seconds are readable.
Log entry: h=11 m=11
